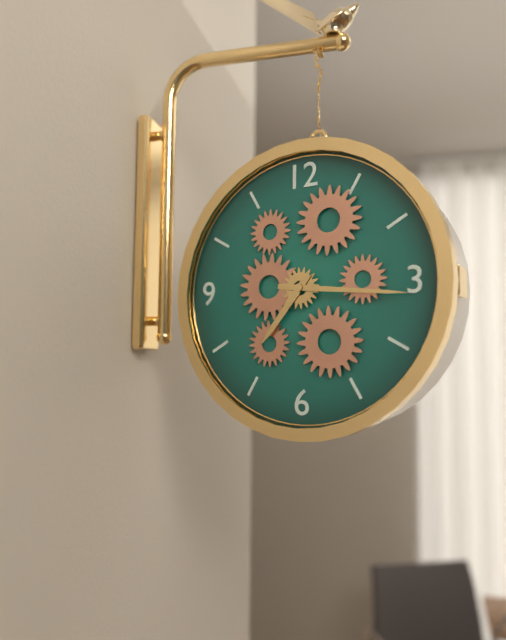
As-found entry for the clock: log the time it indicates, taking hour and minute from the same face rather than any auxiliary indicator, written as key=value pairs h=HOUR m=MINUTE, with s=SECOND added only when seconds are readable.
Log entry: h=7 m=16
